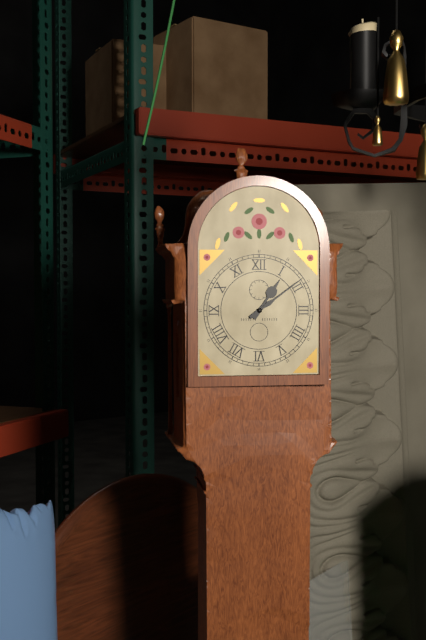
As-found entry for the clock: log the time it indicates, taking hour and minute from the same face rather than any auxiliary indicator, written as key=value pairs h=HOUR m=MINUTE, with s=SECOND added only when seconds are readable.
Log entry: h=1 m=9
